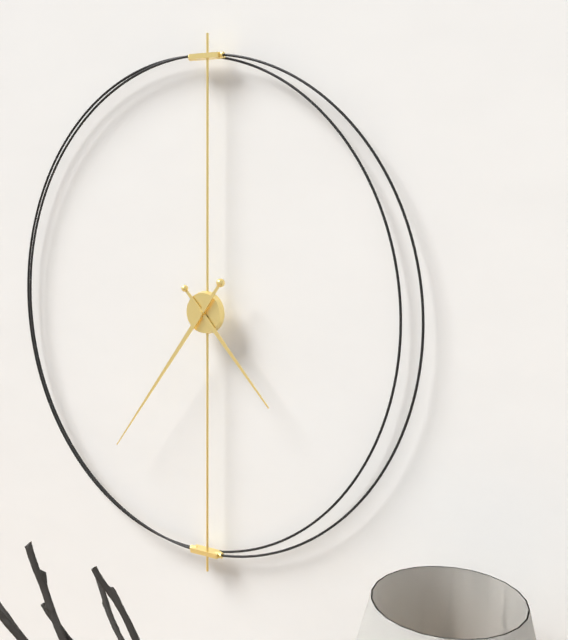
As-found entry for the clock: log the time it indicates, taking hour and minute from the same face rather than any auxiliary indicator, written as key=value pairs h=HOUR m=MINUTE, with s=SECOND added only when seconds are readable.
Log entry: h=4 m=36
